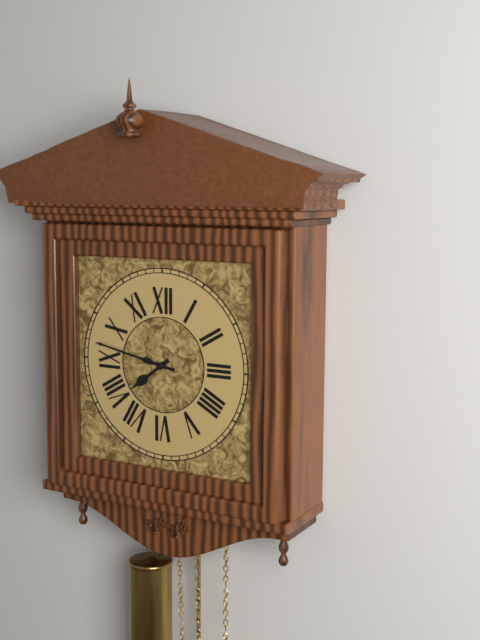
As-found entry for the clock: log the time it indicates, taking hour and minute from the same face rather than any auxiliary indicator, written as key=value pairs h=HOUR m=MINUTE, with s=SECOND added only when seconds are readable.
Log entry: h=7 m=47
